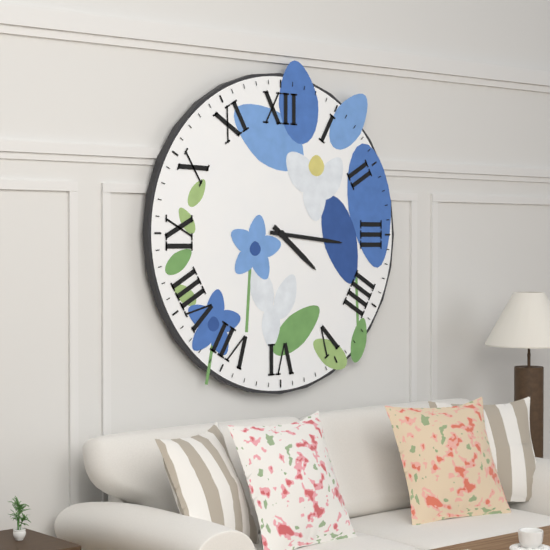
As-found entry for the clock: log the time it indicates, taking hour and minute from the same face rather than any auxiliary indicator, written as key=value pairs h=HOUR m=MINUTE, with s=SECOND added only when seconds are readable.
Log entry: h=4 m=16
